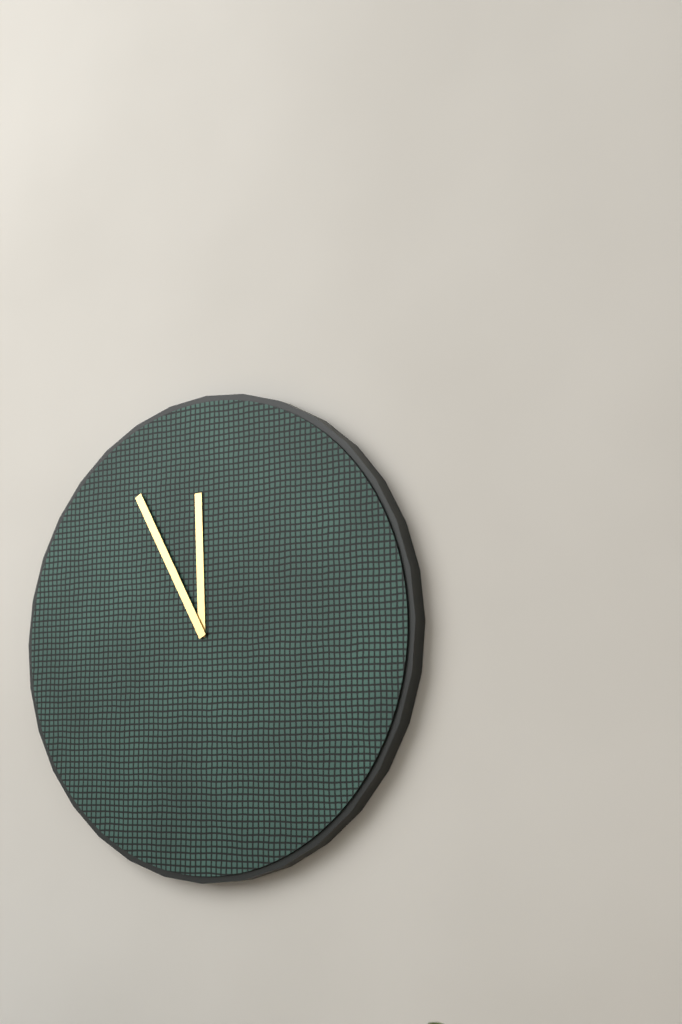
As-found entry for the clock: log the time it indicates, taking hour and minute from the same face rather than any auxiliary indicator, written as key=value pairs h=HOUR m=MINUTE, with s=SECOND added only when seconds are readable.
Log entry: h=11 m=55
